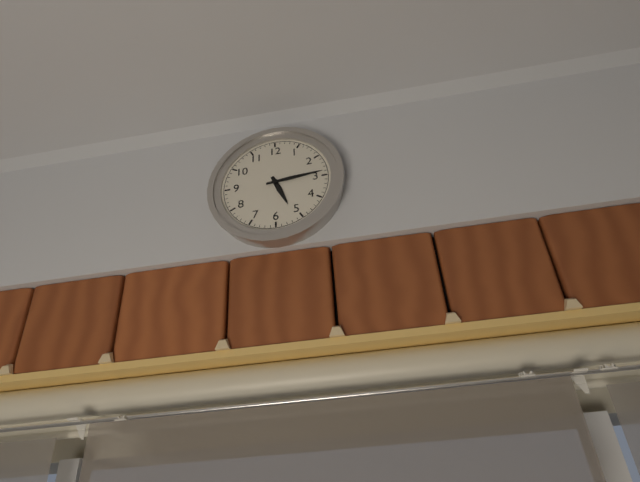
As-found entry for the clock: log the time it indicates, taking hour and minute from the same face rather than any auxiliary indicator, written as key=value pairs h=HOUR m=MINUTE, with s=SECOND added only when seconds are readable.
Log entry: h=5 m=14
